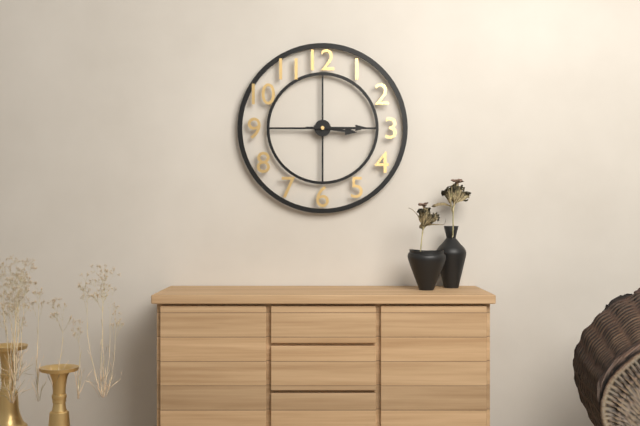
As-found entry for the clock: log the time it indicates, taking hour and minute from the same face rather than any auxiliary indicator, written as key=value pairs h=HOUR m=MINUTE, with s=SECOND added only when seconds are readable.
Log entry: h=3 m=15
